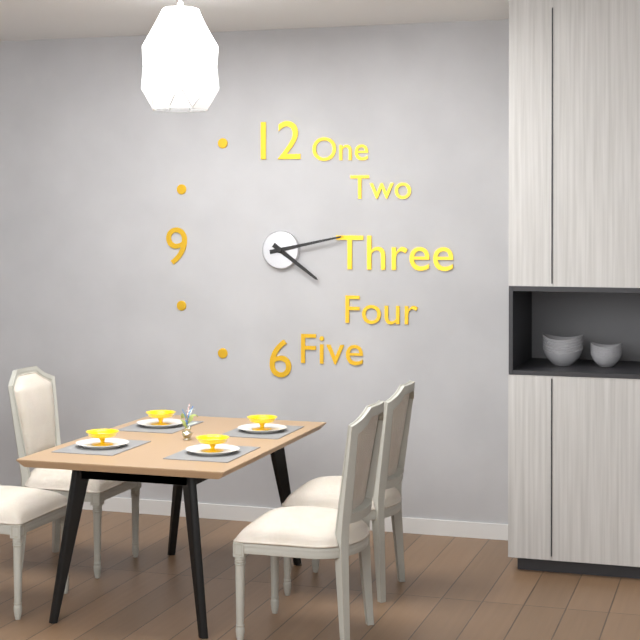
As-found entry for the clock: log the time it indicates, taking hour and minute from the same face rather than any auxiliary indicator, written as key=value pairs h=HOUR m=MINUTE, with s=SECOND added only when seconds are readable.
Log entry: h=4 m=13
